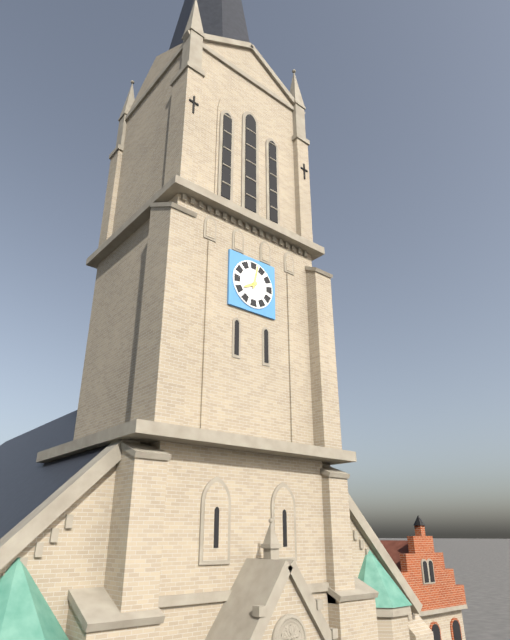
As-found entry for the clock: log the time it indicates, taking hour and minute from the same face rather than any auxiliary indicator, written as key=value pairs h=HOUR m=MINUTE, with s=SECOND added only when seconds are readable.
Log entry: h=8 m=2
